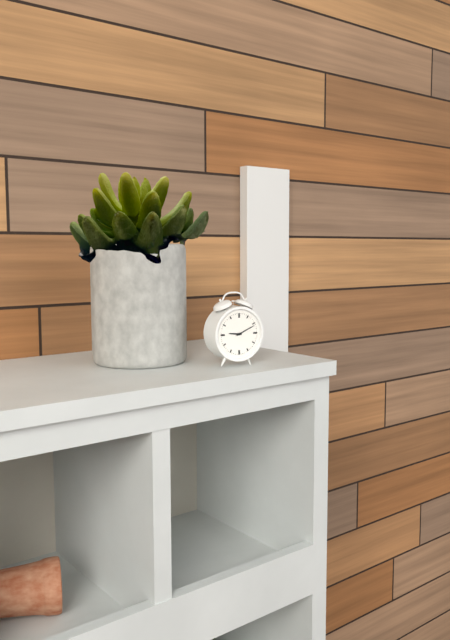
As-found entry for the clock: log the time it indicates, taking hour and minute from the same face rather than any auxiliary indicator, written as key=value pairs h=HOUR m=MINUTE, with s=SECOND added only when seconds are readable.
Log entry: h=9 m=11
